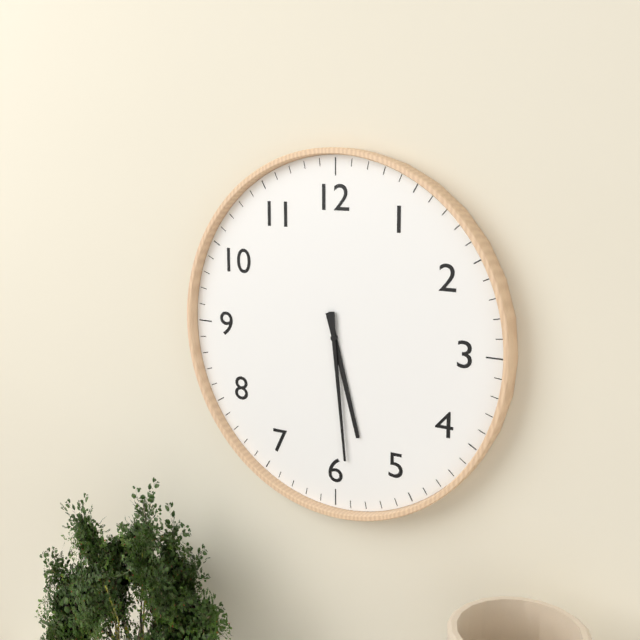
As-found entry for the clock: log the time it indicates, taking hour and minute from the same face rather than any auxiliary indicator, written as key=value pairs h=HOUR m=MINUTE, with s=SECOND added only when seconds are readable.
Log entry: h=5 m=29
